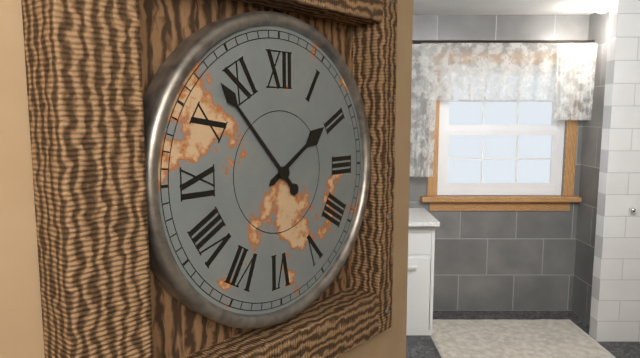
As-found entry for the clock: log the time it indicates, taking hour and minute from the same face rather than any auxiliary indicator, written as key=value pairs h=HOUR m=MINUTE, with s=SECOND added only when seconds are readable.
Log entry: h=1 m=53
